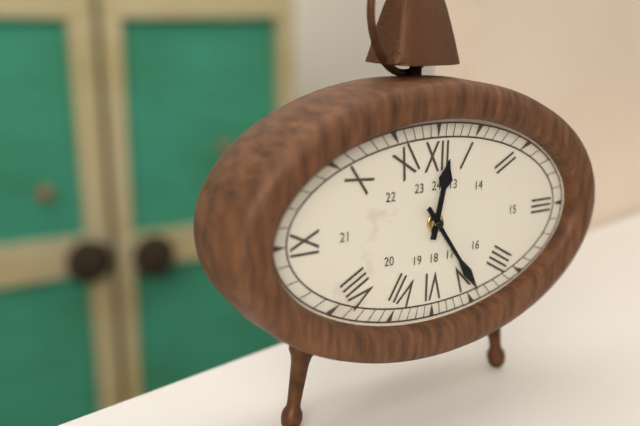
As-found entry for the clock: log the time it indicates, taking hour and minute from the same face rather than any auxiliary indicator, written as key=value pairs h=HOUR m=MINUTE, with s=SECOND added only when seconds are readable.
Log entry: h=12 m=24
